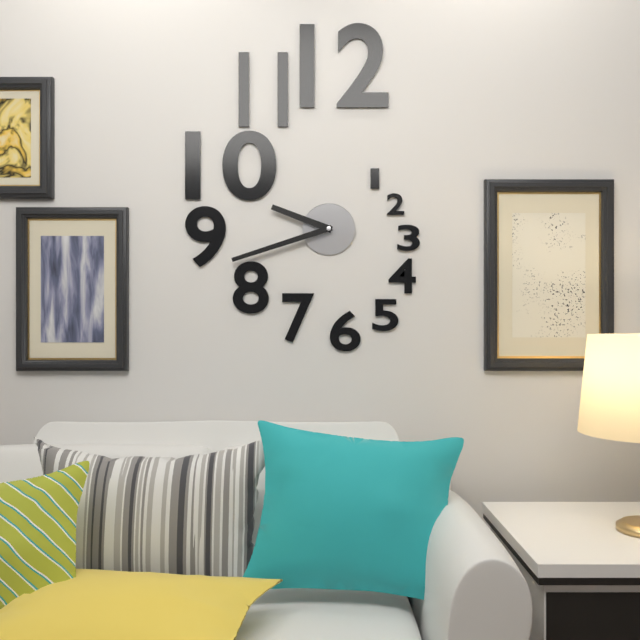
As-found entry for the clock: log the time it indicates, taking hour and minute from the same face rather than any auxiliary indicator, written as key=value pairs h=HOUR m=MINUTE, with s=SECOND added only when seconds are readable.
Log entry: h=9 m=42
